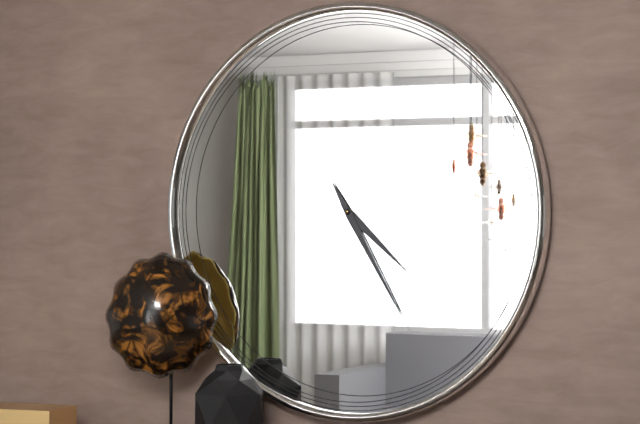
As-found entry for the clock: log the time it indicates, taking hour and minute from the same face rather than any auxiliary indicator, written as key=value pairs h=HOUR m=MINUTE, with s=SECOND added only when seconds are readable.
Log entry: h=4 m=25
